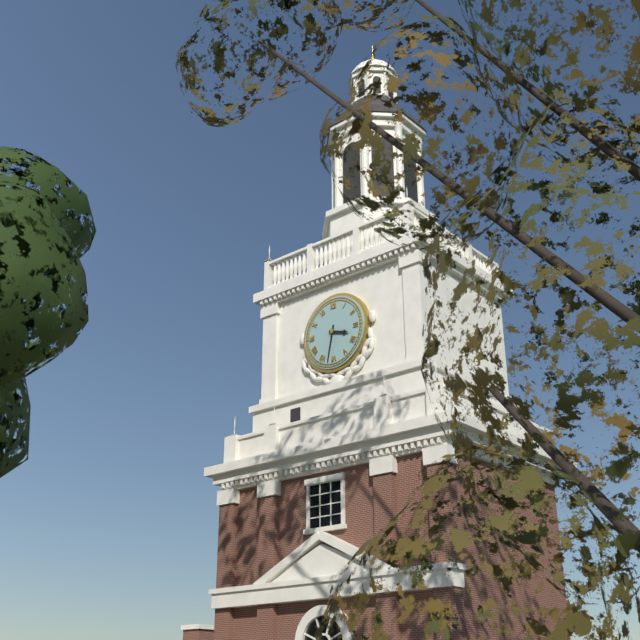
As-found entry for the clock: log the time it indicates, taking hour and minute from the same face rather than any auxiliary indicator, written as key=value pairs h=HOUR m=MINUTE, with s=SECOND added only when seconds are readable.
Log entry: h=3 m=32
